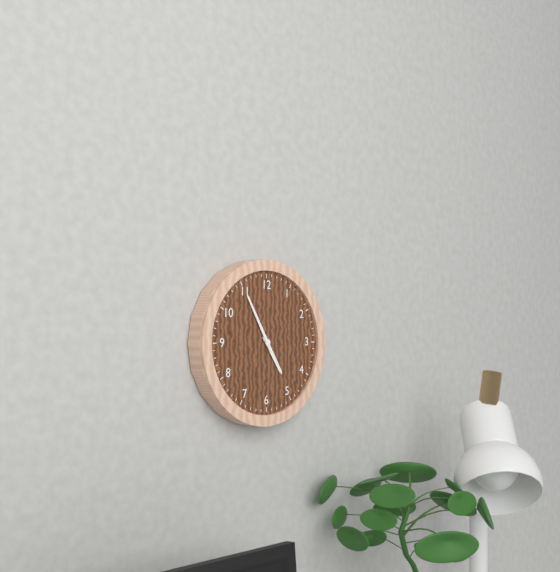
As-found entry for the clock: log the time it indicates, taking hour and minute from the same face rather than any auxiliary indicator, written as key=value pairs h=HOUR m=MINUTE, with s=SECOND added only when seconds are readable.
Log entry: h=4 m=55
